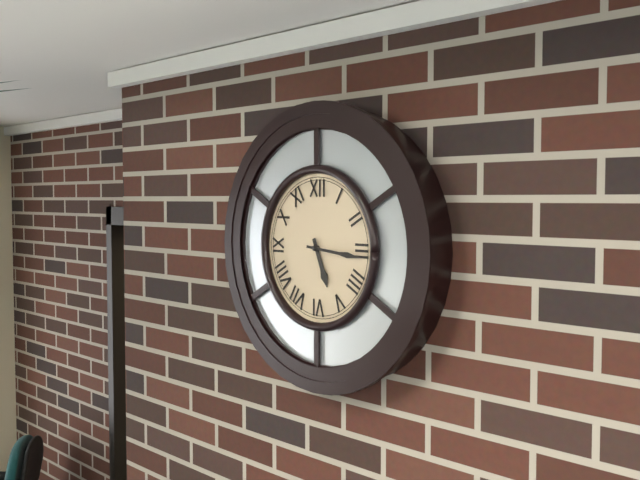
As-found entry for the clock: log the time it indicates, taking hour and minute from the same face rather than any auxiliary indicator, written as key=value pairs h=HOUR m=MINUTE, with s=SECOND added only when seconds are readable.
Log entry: h=5 m=16
